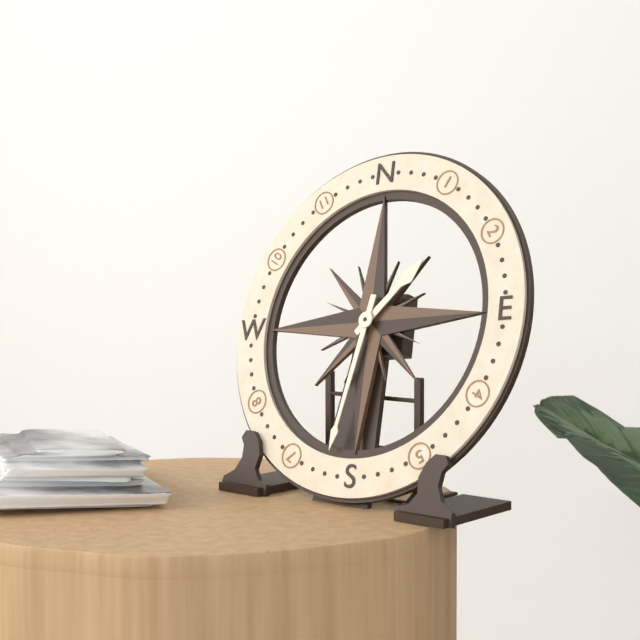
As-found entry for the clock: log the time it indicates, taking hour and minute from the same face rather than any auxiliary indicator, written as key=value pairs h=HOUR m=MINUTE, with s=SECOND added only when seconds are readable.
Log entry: h=1 m=32
